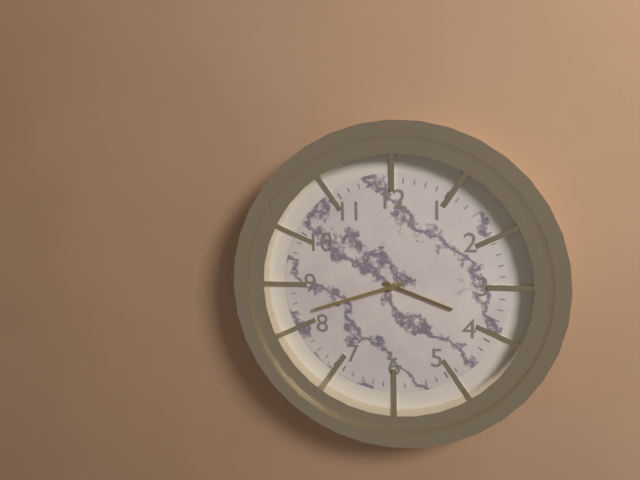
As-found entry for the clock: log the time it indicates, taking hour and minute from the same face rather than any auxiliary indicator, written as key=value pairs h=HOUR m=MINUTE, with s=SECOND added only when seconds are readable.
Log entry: h=3 m=42
